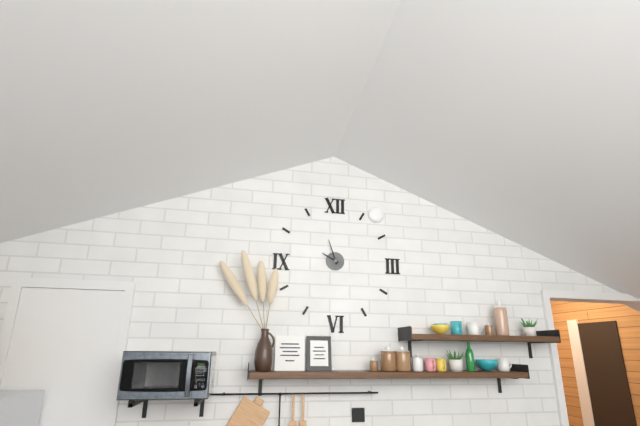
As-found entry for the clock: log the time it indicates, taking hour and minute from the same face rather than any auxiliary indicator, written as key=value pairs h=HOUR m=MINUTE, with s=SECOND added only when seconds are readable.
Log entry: h=9 m=57
